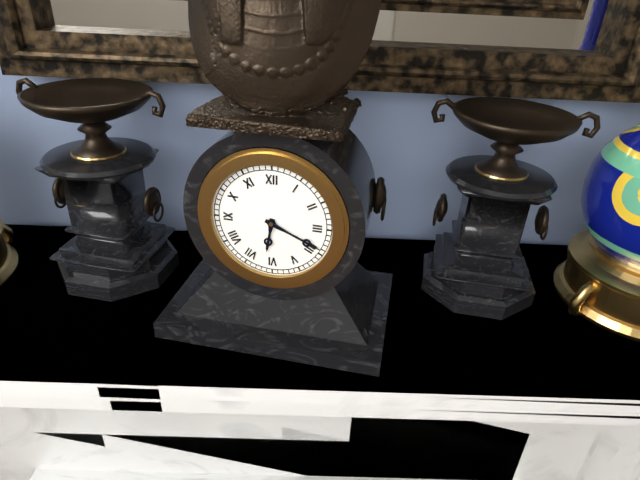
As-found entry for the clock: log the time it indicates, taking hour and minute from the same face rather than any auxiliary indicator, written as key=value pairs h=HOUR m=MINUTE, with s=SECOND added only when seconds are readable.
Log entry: h=6 m=19
